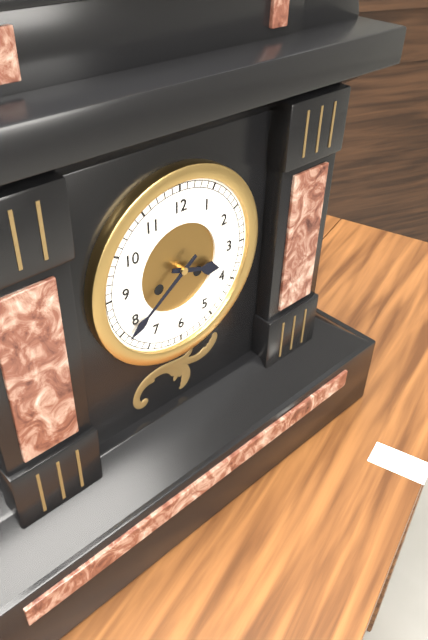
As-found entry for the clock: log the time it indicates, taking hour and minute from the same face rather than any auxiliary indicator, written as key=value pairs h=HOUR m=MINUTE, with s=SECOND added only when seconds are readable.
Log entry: h=3 m=39
